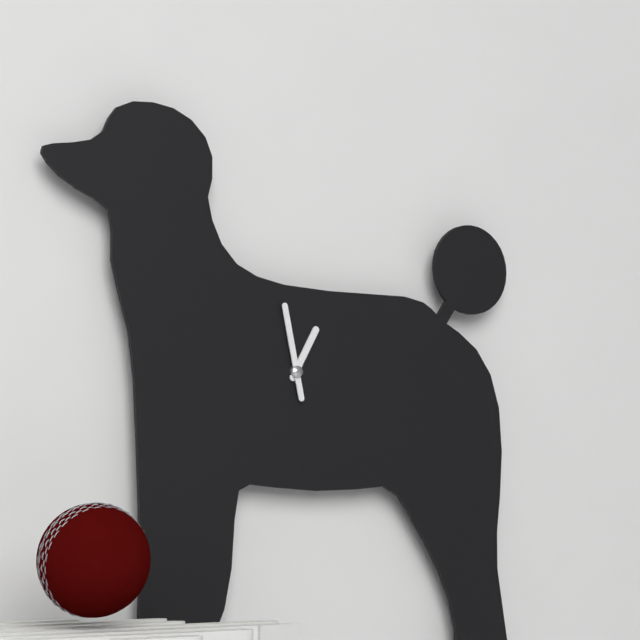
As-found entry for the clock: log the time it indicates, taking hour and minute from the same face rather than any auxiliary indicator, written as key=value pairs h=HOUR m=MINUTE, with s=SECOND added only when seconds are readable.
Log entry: h=12 m=58
